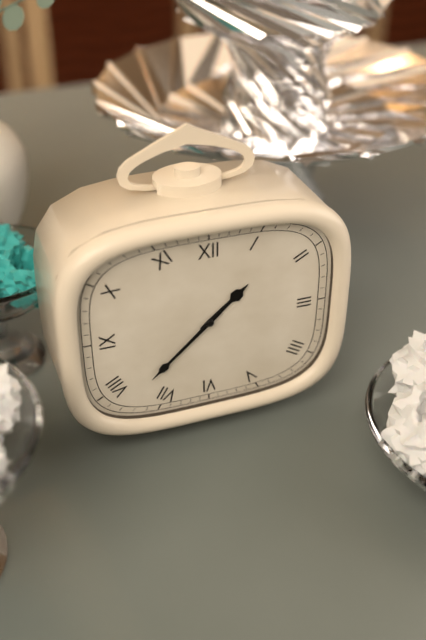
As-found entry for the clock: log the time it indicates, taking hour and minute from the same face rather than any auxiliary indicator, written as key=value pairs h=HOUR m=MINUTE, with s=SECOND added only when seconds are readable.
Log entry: h=1 m=38
